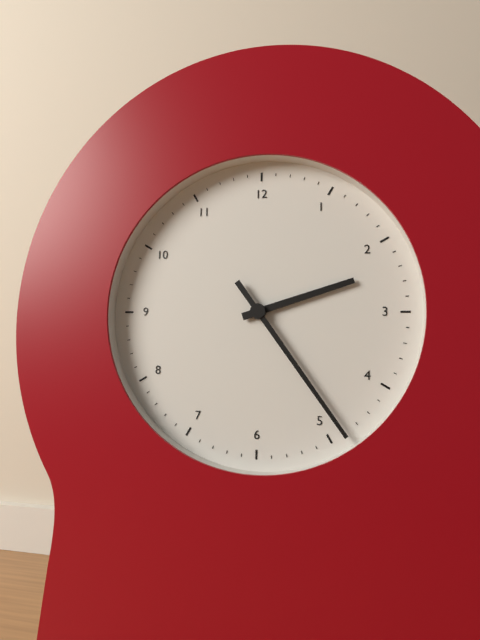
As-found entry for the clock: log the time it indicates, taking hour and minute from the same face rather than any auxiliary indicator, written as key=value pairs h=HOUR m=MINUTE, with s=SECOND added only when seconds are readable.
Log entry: h=2 m=24
